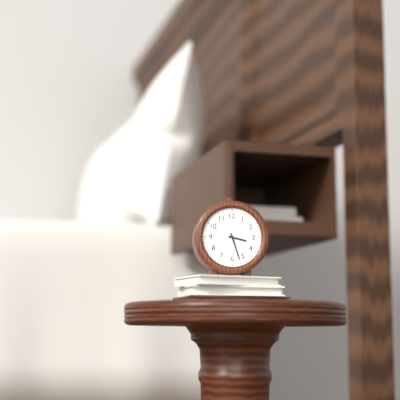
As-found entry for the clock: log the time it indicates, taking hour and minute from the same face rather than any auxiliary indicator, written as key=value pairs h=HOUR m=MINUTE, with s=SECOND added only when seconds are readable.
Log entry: h=3 m=27
